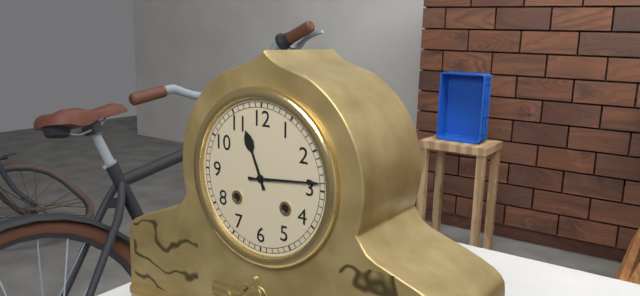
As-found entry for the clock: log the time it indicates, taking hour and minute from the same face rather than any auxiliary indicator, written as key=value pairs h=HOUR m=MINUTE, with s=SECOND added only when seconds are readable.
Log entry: h=11 m=14
